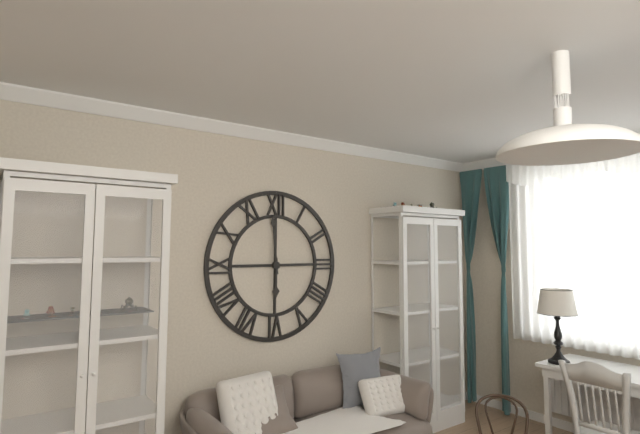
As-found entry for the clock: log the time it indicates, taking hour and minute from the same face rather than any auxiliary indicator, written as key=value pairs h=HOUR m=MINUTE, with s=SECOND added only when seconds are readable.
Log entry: h=5 m=59
